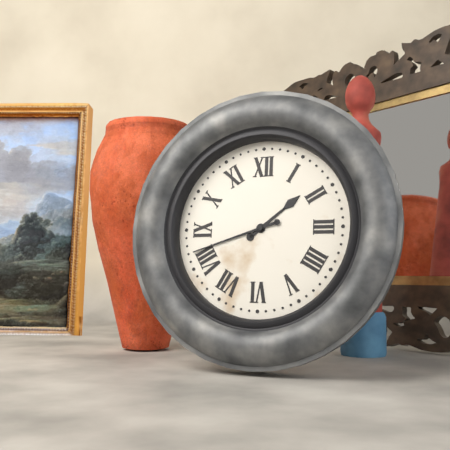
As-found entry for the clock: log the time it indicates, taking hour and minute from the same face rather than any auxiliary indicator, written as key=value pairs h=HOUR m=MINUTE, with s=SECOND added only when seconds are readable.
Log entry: h=1 m=42
